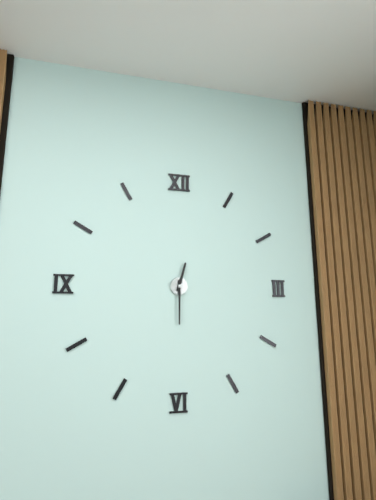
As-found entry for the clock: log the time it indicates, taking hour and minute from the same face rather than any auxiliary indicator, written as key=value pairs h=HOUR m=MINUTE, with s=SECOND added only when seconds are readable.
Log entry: h=12 m=30
